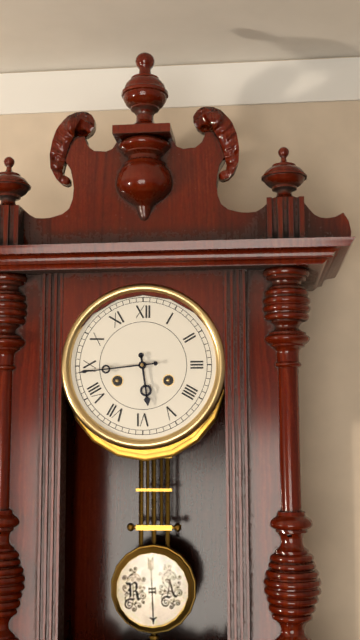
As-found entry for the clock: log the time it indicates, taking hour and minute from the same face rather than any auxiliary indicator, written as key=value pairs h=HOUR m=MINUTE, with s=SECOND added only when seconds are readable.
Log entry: h=5 m=44
